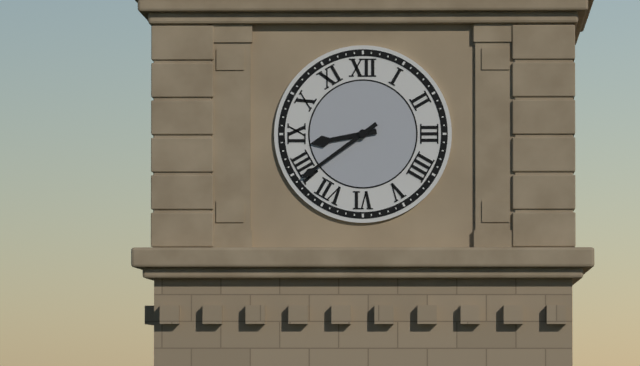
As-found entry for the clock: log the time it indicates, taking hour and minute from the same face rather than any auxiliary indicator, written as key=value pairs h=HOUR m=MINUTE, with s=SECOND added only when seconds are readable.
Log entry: h=8 m=39
